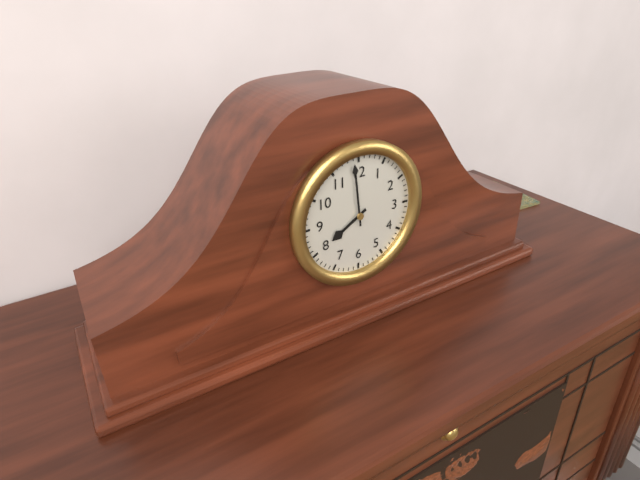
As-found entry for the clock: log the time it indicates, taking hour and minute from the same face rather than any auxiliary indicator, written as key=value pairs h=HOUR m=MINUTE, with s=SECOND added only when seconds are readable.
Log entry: h=7 m=59
